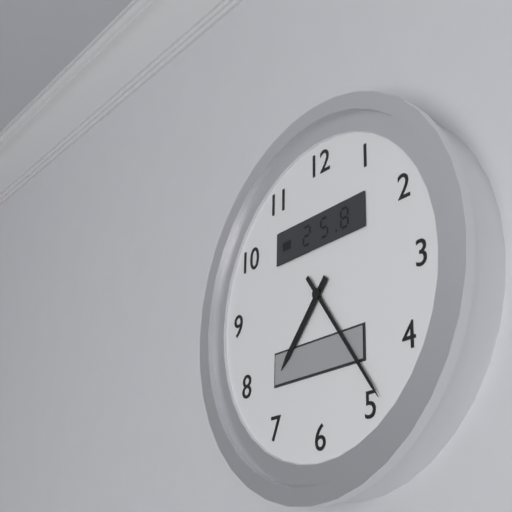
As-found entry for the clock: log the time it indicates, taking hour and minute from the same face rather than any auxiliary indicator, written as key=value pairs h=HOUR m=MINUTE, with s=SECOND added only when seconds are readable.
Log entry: h=7 m=24
